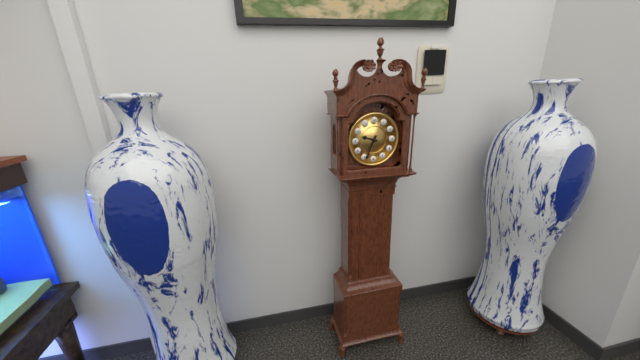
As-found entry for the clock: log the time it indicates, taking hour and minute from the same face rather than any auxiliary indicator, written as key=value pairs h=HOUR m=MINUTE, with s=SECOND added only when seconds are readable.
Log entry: h=9 m=34
